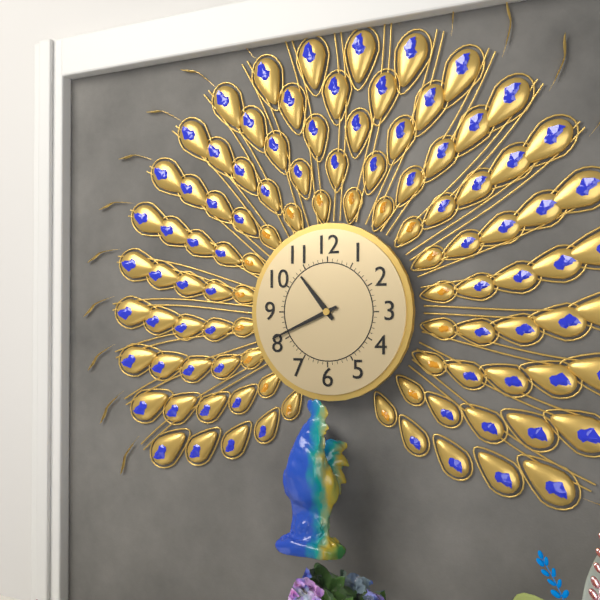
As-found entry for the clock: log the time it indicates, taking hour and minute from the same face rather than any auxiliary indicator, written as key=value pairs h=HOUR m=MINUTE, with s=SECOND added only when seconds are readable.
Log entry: h=10 m=41
